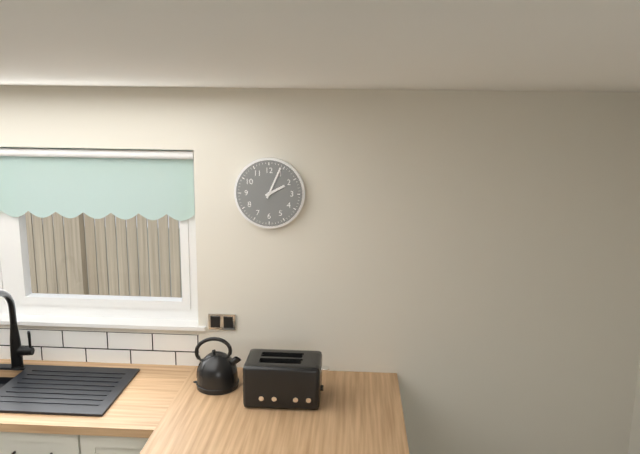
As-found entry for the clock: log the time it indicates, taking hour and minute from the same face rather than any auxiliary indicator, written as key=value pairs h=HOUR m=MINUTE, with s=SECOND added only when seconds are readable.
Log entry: h=2 m=4
